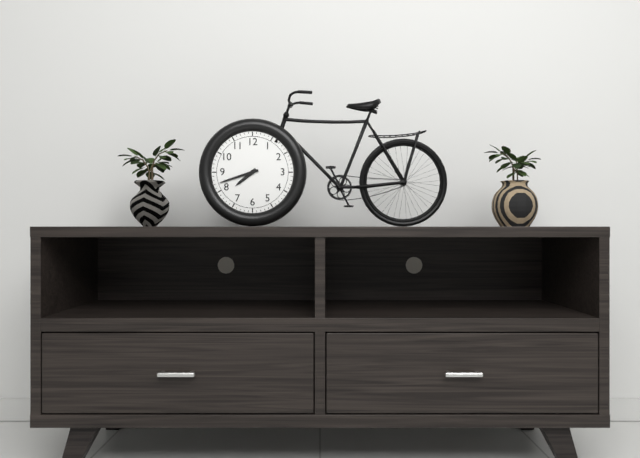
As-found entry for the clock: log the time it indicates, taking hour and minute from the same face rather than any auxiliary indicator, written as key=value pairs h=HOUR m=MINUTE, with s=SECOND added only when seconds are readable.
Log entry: h=7 m=42
